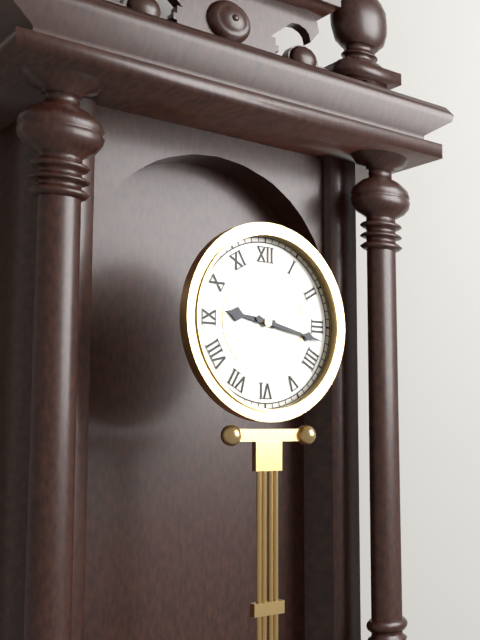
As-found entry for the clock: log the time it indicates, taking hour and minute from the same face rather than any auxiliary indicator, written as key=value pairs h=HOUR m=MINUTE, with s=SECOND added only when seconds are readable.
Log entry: h=9 m=17
